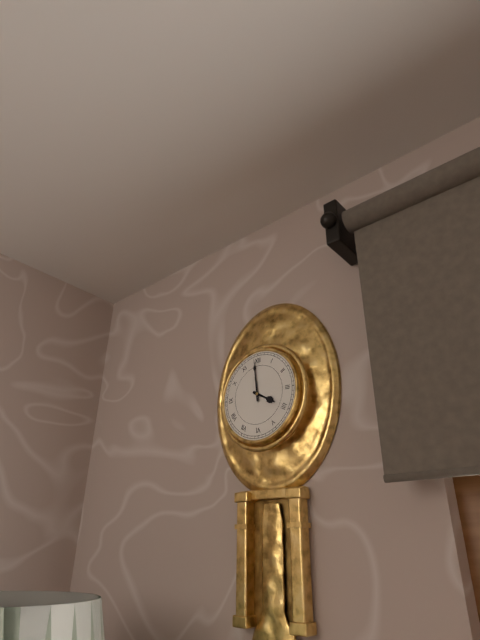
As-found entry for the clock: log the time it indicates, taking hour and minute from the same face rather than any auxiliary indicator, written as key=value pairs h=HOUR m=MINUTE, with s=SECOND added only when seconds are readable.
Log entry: h=3 m=59
